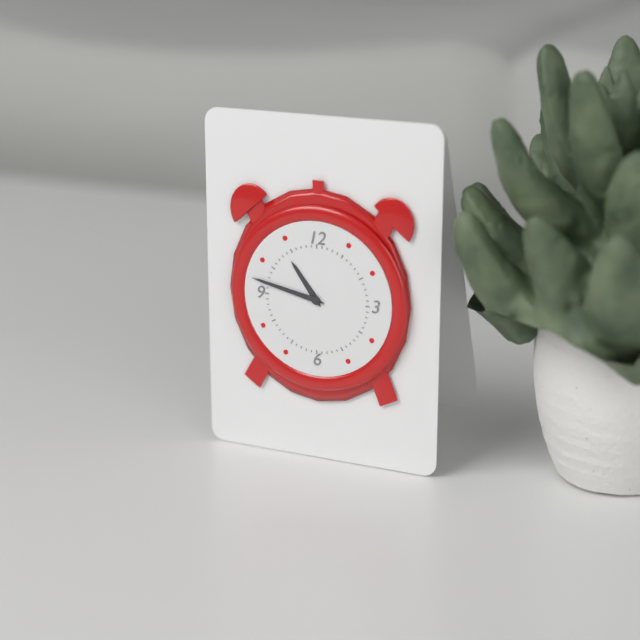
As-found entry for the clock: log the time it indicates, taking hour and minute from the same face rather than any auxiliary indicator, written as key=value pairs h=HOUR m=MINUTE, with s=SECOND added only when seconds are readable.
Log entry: h=10 m=47
